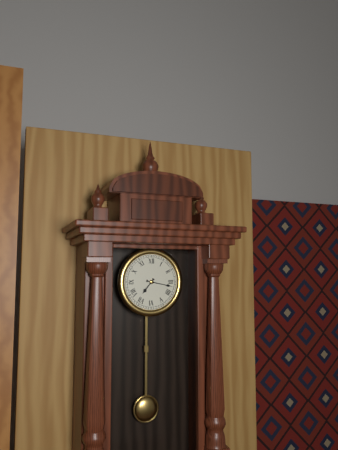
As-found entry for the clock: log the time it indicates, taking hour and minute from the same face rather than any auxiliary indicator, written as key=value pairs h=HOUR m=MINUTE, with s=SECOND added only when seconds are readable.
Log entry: h=7 m=17
